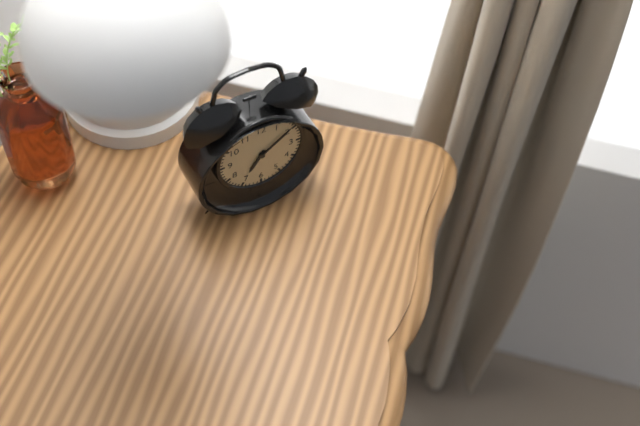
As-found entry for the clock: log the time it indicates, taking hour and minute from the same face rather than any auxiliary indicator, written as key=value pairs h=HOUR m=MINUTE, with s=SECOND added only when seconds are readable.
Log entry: h=7 m=9
